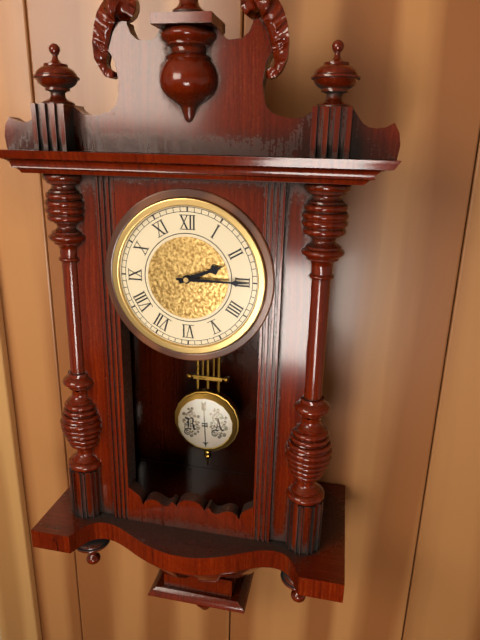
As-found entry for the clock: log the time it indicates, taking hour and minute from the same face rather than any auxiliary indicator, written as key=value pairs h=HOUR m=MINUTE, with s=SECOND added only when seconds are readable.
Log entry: h=2 m=15
